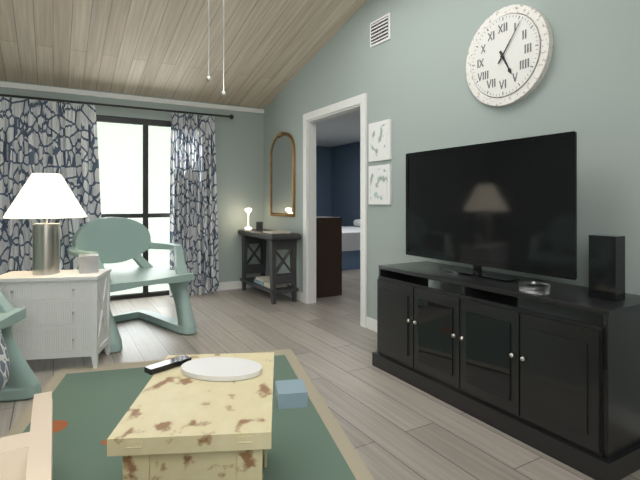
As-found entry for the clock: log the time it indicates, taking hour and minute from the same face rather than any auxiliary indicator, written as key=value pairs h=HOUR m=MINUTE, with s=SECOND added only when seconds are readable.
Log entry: h=5 m=6
